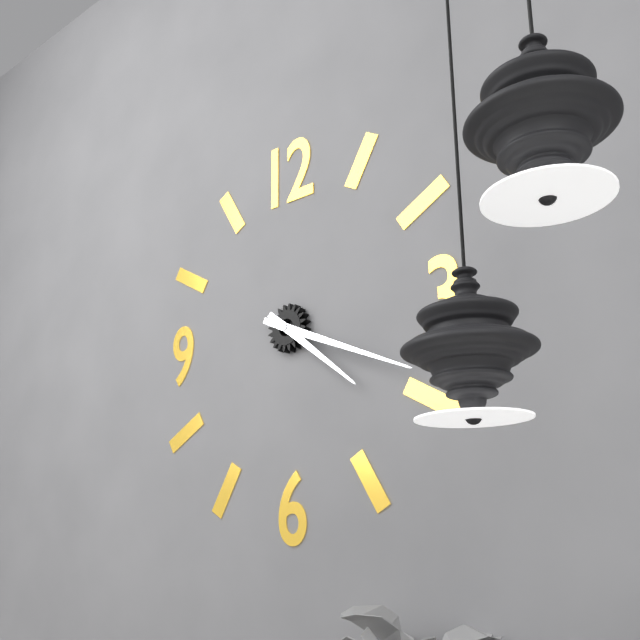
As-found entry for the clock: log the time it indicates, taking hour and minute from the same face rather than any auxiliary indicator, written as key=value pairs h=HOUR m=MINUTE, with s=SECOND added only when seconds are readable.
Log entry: h=4 m=19
